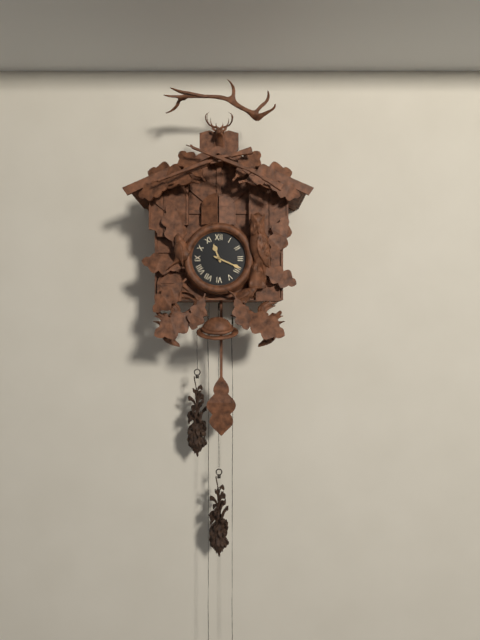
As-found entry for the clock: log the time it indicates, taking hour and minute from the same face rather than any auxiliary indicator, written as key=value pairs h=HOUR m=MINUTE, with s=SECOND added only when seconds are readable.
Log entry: h=11 m=19
